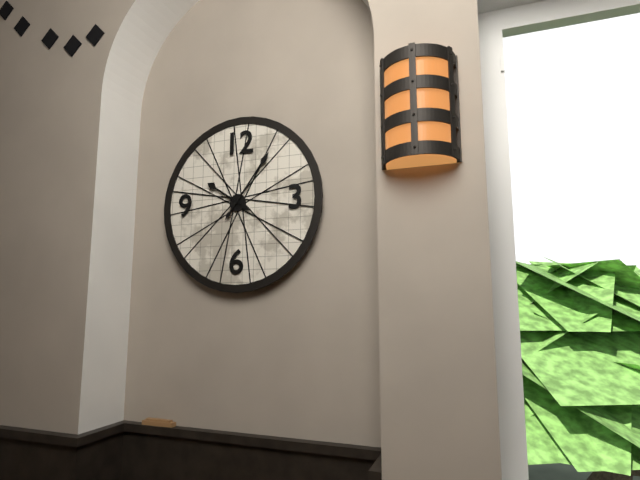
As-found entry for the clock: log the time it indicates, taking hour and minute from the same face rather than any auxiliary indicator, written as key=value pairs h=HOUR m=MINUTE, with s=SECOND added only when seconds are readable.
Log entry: h=10 m=6
